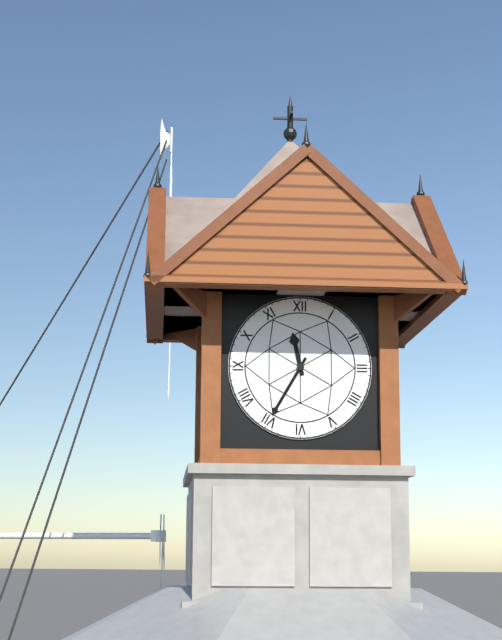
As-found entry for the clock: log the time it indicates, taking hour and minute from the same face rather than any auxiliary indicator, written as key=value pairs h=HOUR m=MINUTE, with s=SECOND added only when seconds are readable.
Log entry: h=11 m=35
